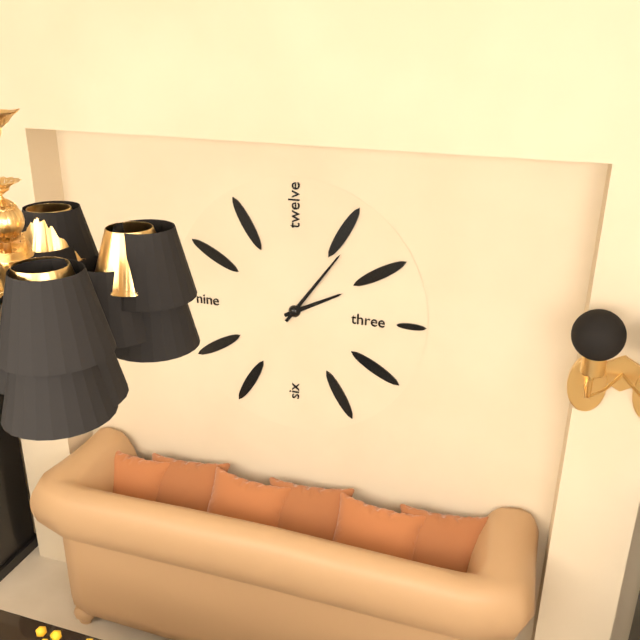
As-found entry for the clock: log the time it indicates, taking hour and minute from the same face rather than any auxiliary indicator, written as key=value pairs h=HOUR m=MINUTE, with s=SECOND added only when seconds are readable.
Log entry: h=2 m=6
